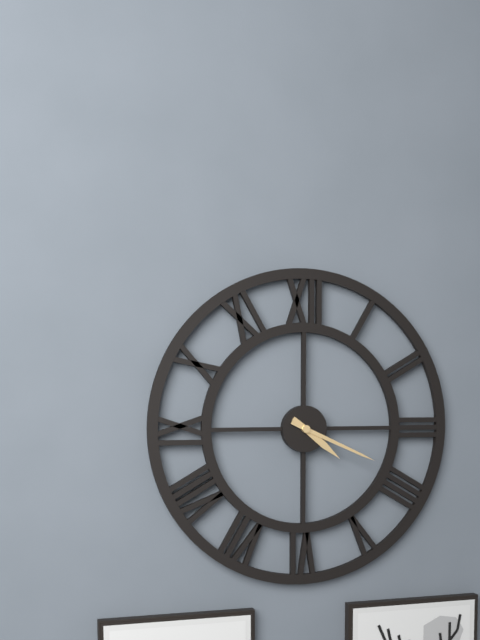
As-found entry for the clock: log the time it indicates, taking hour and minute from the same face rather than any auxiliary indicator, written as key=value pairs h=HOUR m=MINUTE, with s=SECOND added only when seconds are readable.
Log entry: h=4 m=19
